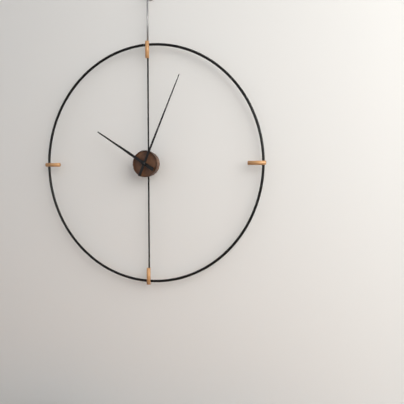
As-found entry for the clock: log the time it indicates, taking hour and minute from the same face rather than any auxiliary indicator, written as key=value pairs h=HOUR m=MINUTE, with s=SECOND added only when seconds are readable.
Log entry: h=10 m=4
